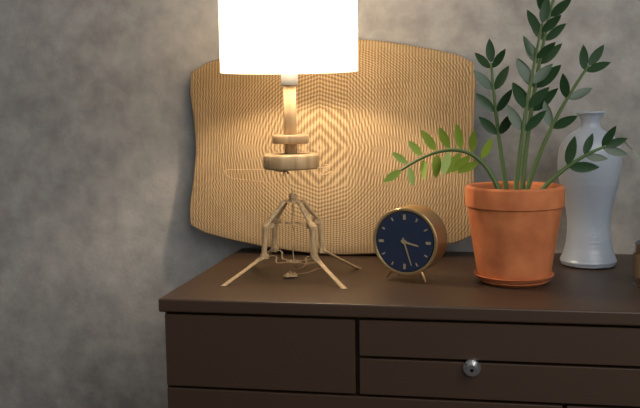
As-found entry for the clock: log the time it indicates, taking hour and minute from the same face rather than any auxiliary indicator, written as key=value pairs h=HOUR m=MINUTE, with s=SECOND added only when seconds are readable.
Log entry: h=3 m=27
